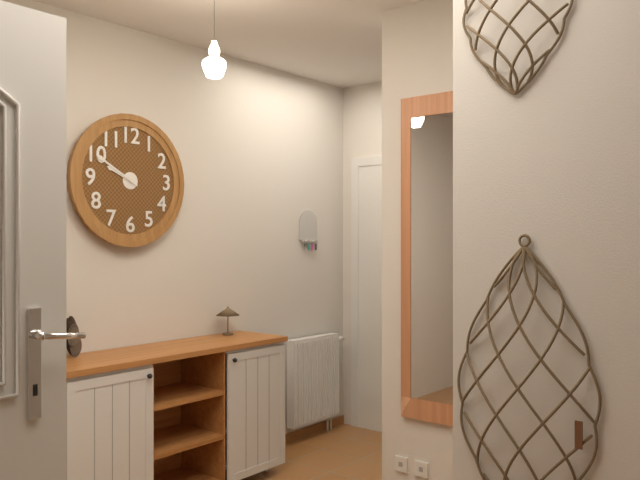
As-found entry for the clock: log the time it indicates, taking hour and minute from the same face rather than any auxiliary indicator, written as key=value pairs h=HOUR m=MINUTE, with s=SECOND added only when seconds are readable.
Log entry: h=9 m=50
